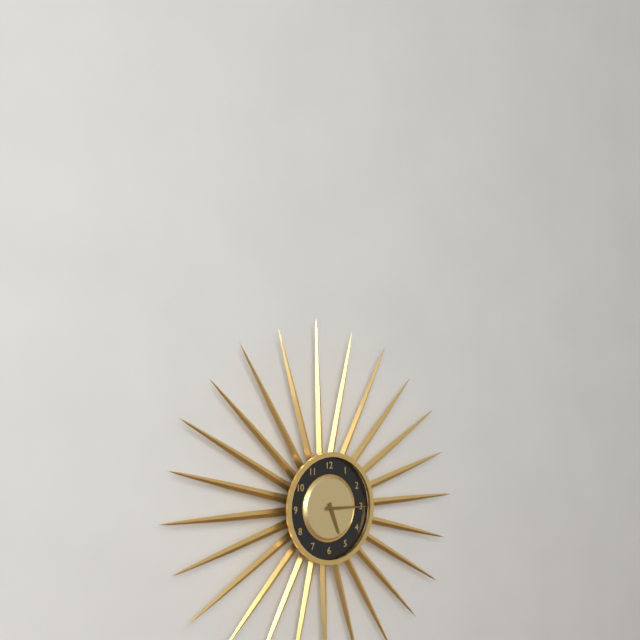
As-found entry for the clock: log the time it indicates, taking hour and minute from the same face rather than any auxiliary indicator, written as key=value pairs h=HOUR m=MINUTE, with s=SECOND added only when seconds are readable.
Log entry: h=5 m=15
